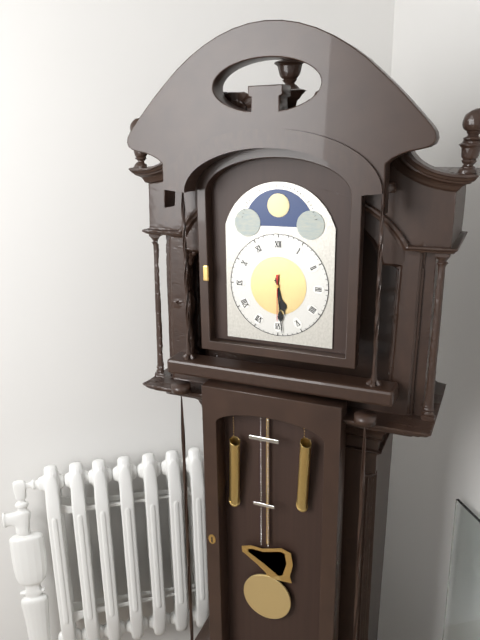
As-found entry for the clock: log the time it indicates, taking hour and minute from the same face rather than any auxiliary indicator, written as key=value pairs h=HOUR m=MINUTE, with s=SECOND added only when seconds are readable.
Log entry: h=5 m=29
